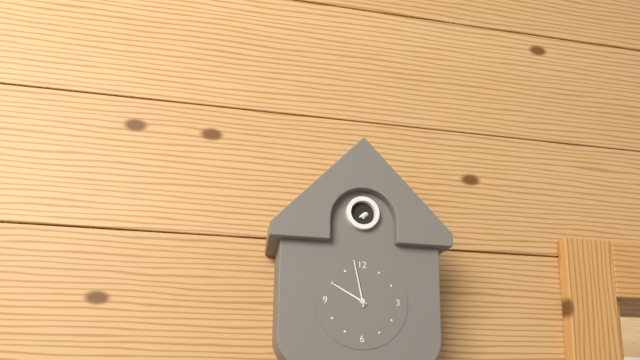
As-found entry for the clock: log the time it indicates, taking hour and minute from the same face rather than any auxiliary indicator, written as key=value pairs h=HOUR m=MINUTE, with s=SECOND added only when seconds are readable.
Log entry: h=9 m=58
